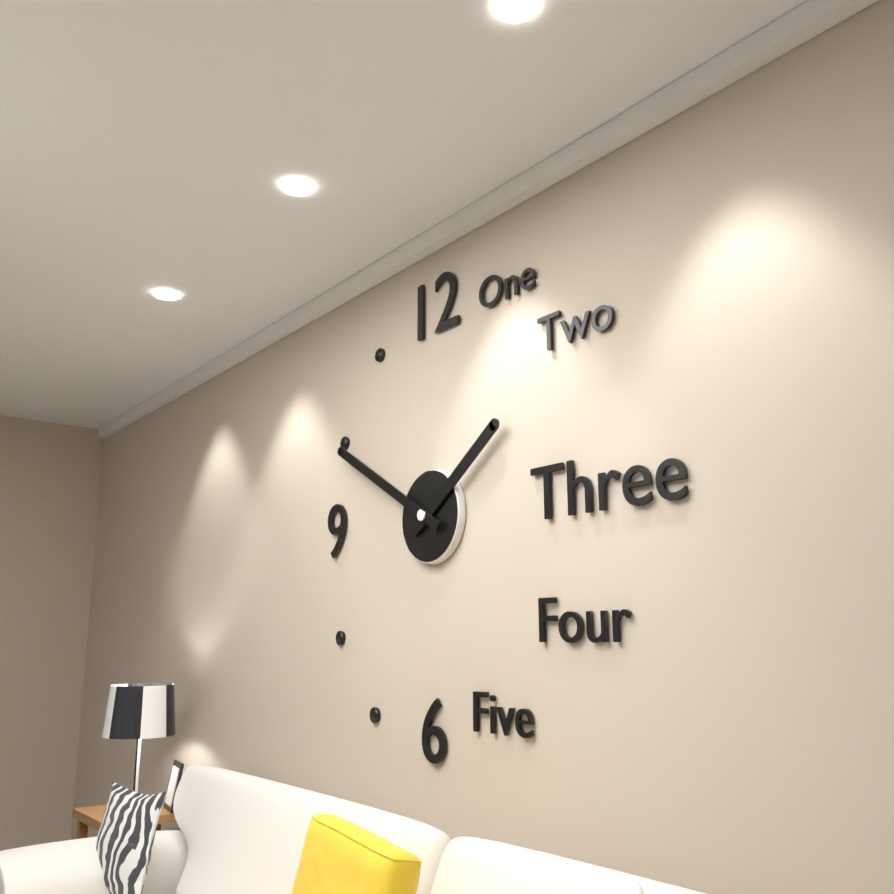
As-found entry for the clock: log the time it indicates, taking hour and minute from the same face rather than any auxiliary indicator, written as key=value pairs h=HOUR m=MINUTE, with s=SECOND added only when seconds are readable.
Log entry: h=1 m=50
